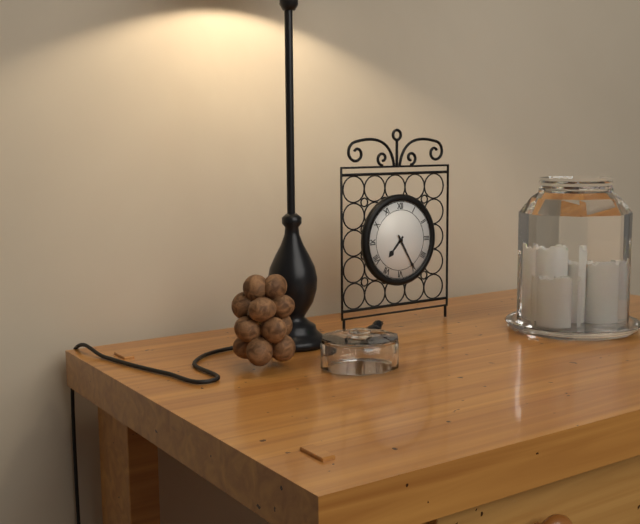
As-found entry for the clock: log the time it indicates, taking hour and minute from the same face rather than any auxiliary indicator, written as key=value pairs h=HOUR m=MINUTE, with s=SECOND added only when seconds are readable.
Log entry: h=7 m=25
